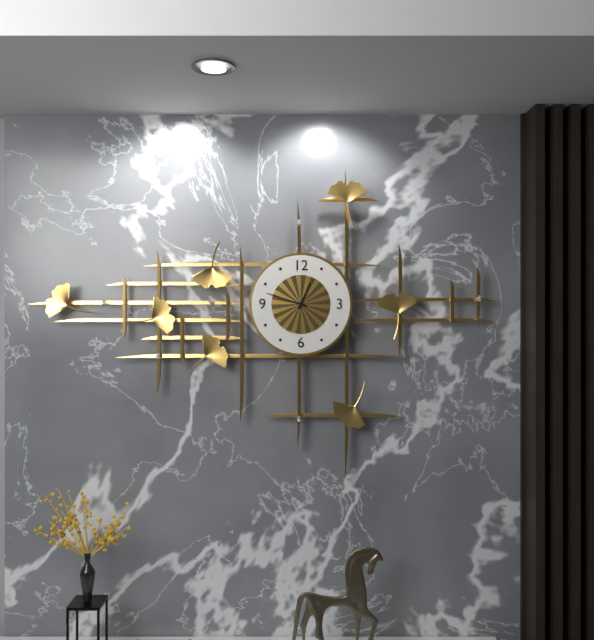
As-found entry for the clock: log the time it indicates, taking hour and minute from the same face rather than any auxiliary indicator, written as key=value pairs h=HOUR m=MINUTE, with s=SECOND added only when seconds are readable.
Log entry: h=12 m=48
